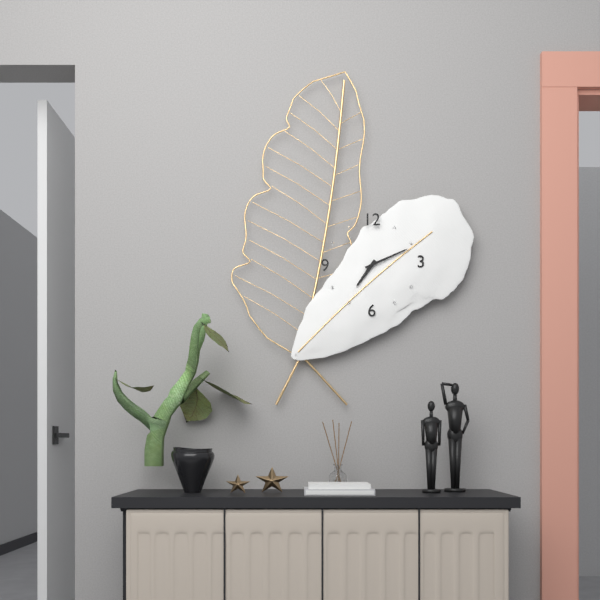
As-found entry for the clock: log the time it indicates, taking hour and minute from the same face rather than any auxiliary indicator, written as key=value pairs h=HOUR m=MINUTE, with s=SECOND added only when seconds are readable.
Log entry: h=7 m=11
